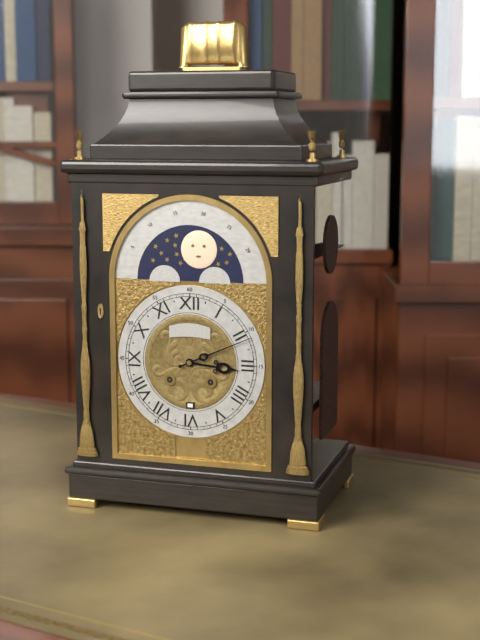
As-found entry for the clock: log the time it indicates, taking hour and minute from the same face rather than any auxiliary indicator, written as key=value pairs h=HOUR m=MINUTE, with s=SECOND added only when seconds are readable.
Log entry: h=3 m=11
